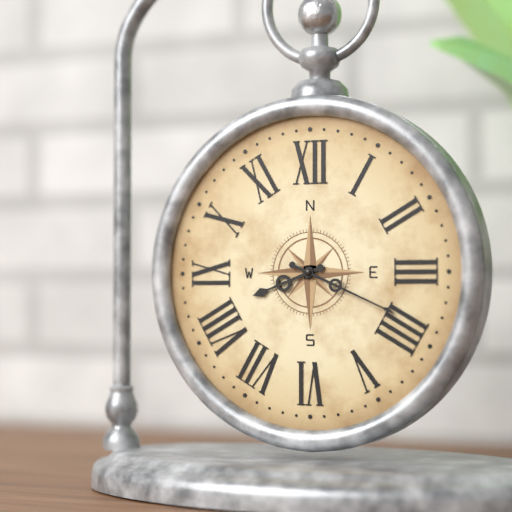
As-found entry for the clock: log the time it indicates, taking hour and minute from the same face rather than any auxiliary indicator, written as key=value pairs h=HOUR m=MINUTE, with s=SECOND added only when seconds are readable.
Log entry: h=8 m=19
